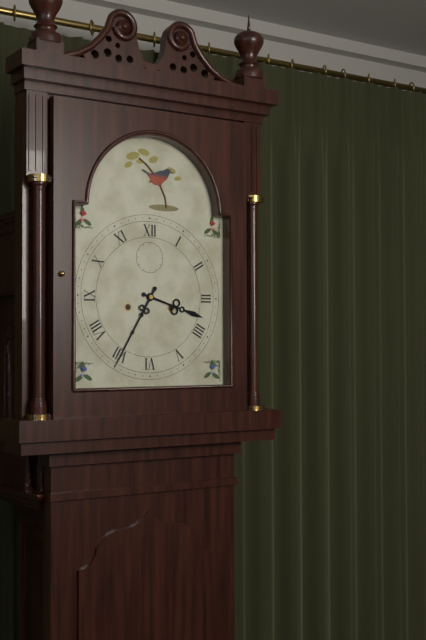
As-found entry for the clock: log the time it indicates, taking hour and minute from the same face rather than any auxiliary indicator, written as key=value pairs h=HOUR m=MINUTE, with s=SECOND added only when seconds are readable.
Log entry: h=3 m=35
